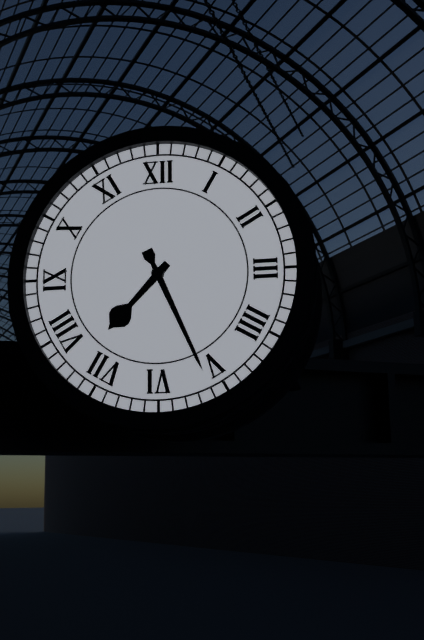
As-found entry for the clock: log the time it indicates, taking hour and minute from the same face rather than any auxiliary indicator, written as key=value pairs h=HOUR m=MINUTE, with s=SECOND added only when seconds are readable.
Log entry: h=7 m=26
